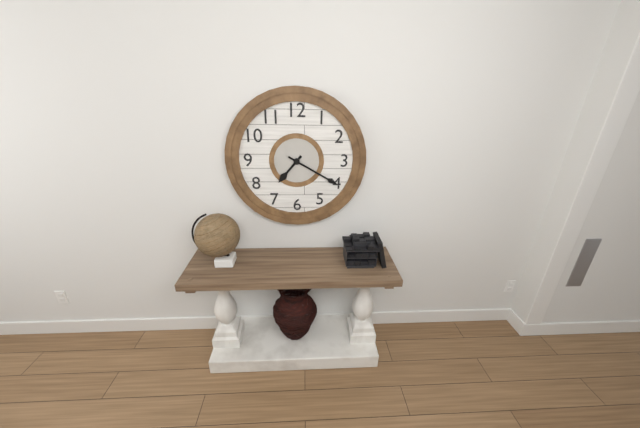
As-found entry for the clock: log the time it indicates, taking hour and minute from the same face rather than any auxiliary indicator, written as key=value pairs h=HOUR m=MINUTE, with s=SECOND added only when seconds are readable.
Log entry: h=7 m=20
